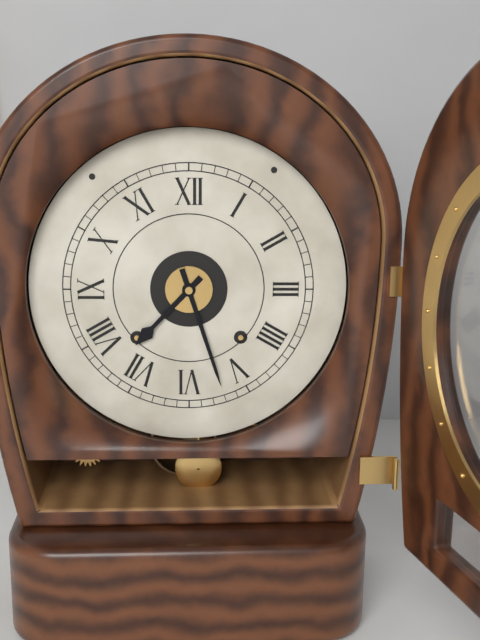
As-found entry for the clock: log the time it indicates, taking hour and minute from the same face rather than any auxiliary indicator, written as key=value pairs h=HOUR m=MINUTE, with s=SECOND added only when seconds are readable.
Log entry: h=7 m=27
